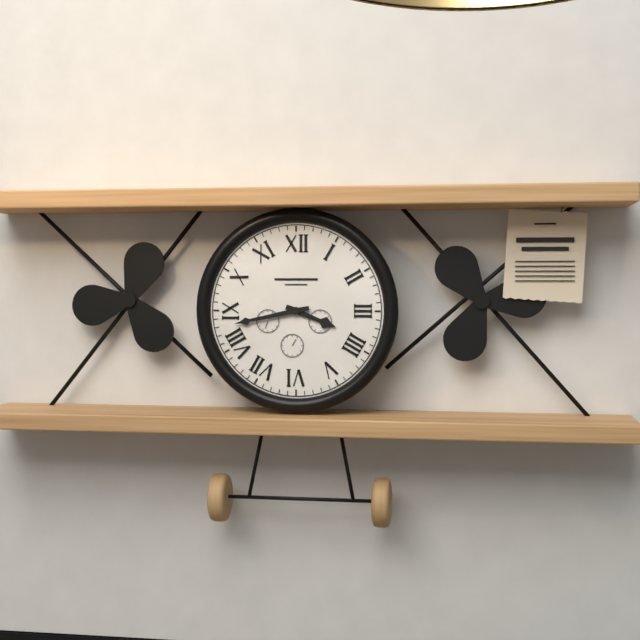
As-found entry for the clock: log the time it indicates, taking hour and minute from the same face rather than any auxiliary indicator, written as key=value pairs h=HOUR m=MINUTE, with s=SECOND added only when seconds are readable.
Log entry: h=3 m=43
